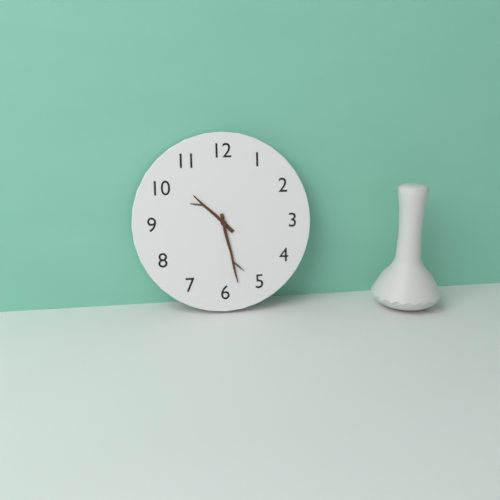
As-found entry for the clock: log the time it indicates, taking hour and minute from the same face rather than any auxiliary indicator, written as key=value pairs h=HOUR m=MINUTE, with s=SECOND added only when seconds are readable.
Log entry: h=10 m=28
